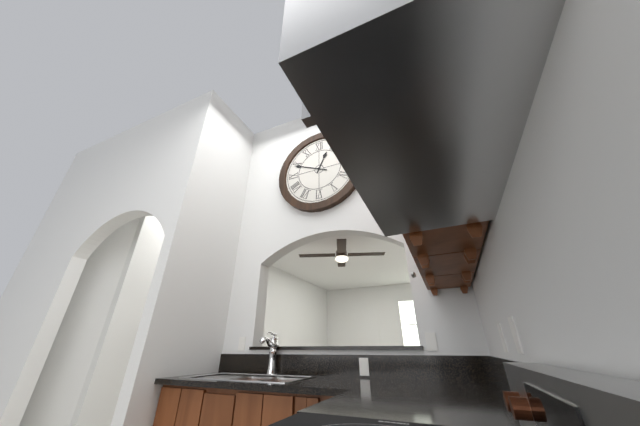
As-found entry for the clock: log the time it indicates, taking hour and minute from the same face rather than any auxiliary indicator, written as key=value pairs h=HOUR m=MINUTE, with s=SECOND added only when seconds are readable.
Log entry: h=12 m=49
